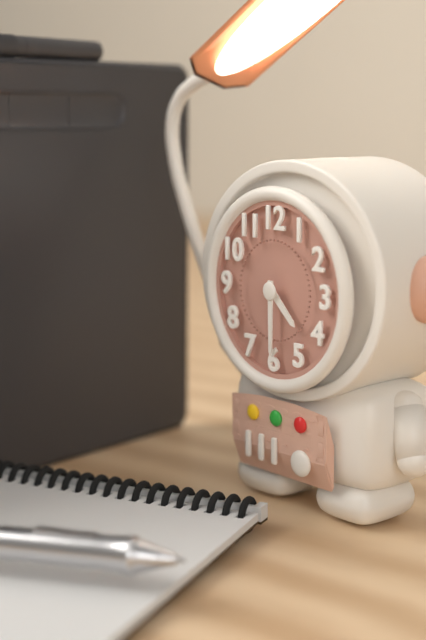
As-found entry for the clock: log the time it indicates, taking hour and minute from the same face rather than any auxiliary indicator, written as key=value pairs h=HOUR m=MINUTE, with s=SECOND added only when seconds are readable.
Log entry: h=4 m=30
